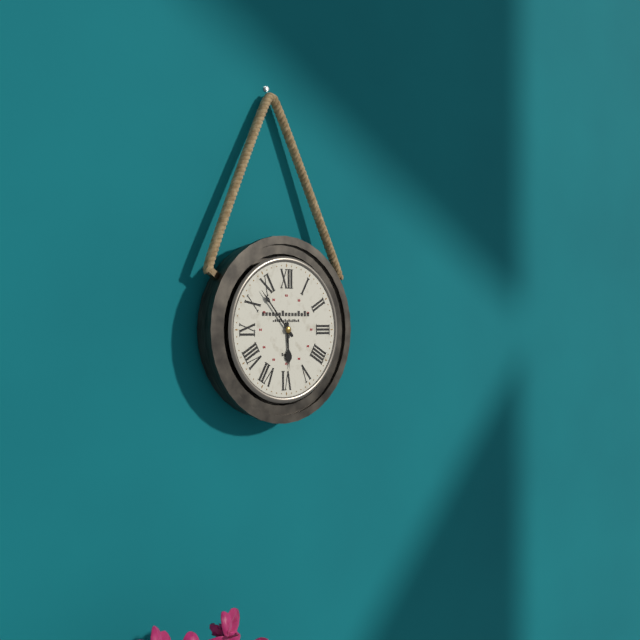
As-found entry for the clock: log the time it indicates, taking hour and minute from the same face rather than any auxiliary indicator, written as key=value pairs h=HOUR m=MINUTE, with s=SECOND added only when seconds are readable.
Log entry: h=5 m=53
